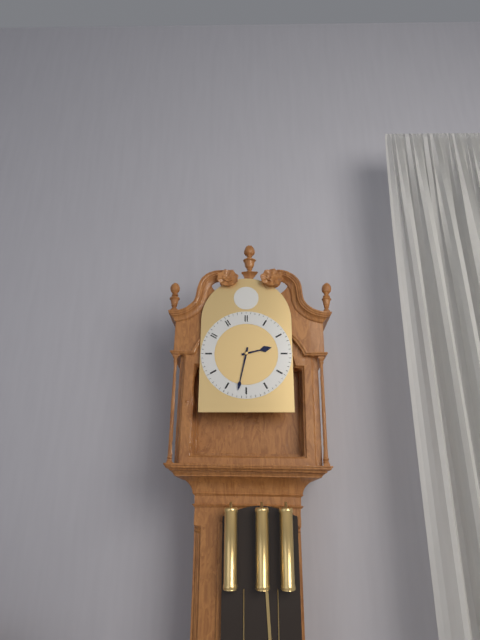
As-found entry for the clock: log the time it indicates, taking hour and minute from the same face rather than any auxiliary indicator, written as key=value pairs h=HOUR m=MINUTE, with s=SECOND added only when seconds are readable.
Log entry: h=2 m=32
